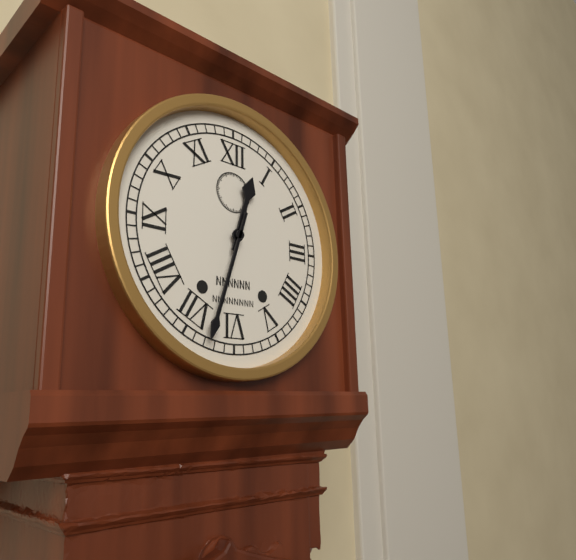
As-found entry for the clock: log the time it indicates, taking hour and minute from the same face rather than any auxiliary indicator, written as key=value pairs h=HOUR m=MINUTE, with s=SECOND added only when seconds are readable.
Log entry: h=12 m=33
